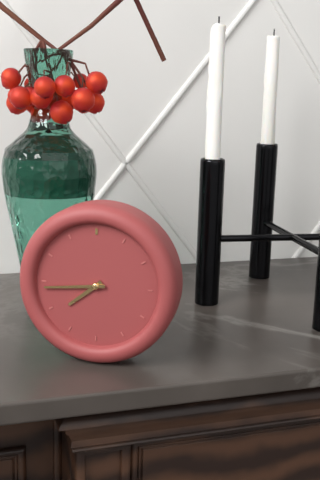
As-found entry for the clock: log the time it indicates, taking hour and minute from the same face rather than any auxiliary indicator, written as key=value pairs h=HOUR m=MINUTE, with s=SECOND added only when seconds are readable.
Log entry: h=7 m=44
